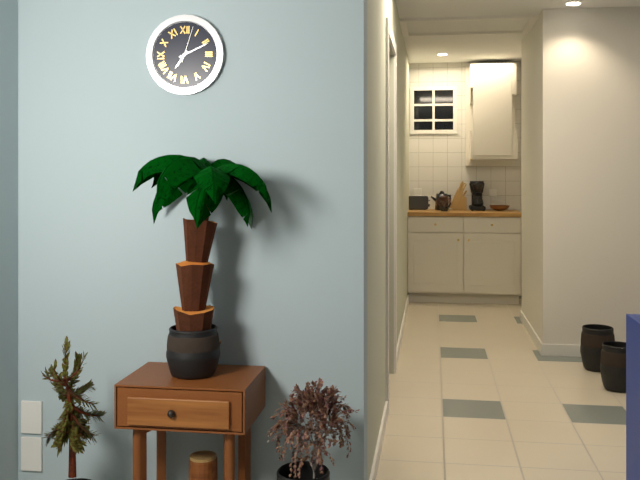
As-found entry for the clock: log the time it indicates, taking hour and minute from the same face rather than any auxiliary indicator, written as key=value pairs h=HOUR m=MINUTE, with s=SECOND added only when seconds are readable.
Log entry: h=7 m=11
